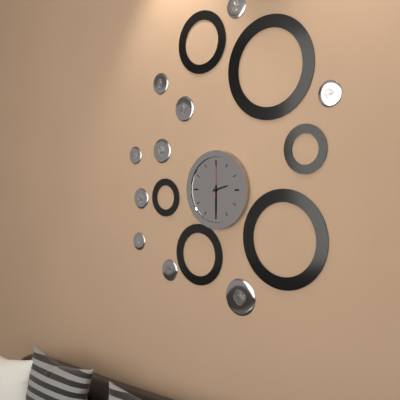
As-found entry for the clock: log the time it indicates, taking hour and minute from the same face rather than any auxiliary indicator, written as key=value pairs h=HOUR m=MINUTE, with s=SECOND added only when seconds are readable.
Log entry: h=2 m=30
